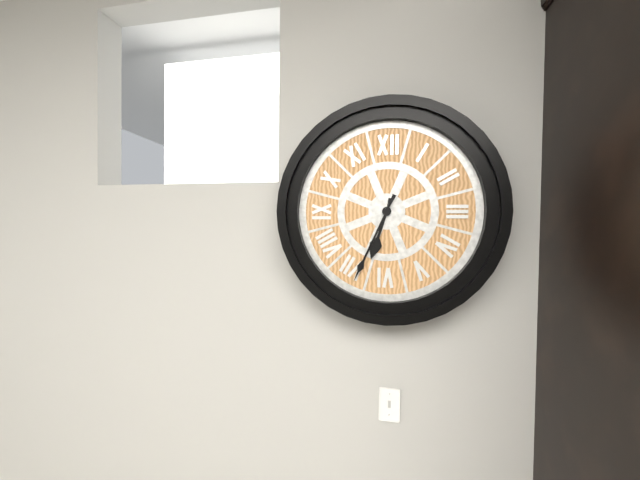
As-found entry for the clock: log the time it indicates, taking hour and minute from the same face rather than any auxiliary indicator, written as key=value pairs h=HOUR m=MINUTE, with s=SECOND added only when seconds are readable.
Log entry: h=6 m=34
